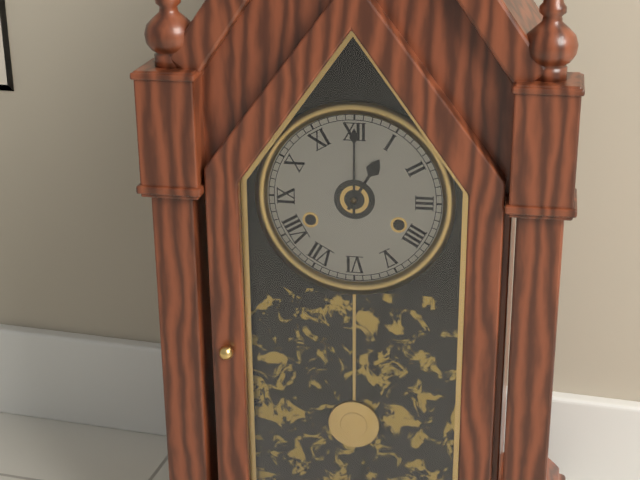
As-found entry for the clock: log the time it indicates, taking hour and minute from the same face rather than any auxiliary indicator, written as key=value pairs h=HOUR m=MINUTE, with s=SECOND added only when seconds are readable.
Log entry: h=1 m=0
